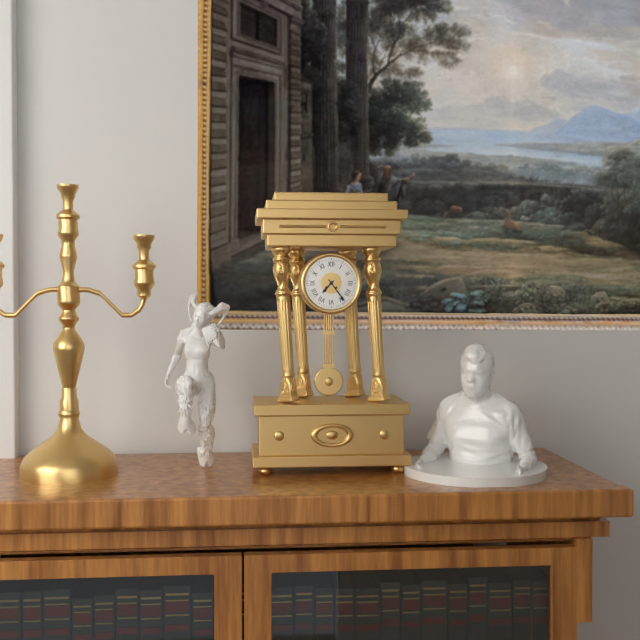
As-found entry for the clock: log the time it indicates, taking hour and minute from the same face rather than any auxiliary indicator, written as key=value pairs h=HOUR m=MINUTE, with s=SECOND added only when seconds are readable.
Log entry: h=7 m=24
